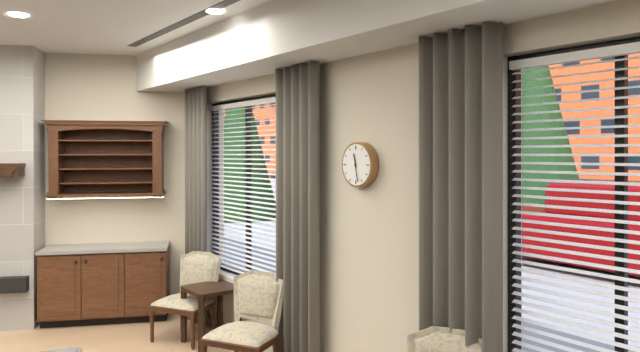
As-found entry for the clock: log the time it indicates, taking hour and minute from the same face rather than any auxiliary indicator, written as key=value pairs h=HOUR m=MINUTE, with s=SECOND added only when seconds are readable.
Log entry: h=11 m=28
